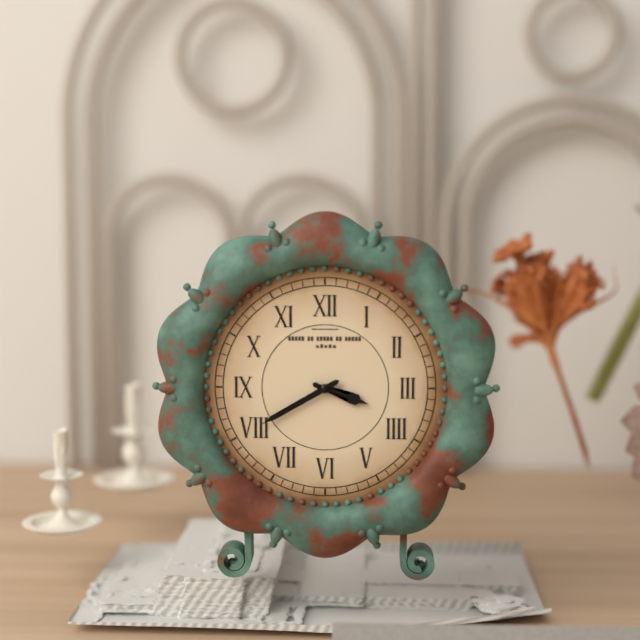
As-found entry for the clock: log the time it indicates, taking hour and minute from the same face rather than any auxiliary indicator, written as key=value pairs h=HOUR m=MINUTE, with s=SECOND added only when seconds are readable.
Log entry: h=3 m=40
